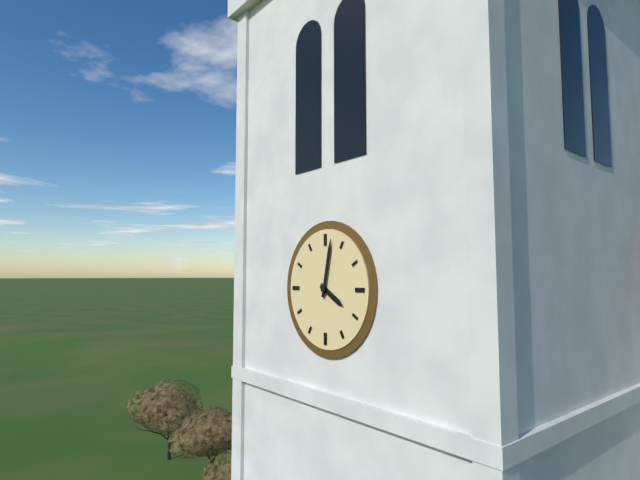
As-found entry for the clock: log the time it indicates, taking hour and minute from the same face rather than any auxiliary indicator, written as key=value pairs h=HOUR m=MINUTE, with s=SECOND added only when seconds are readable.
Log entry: h=4 m=2
